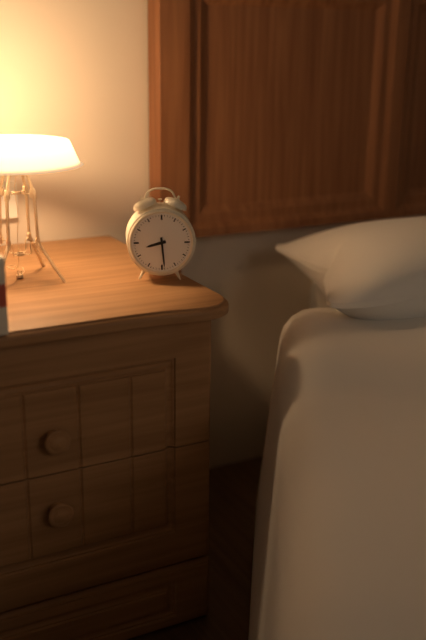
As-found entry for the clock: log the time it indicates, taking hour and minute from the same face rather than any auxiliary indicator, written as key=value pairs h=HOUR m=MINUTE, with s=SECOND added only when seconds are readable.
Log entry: h=8 m=29
